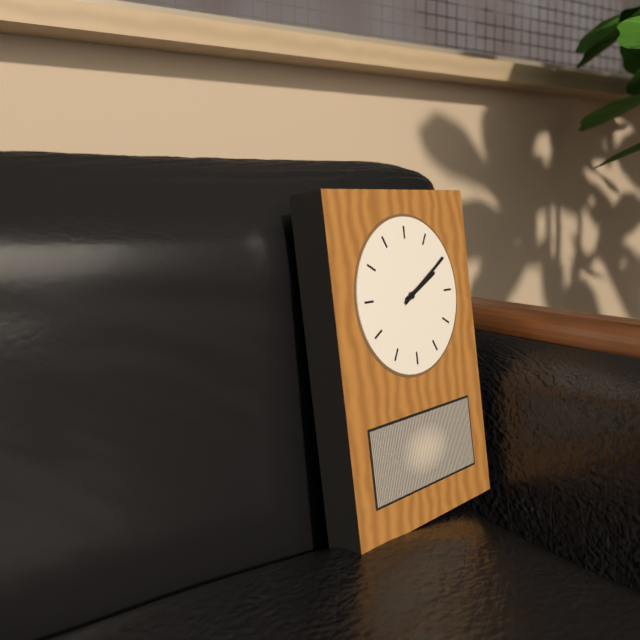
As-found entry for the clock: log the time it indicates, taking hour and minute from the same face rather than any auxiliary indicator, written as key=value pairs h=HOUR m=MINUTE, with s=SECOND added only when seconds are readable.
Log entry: h=2 m=10
